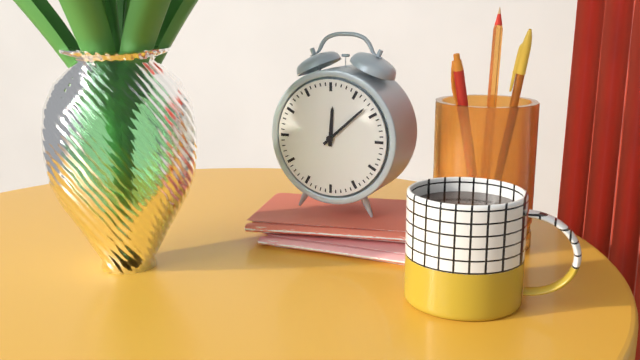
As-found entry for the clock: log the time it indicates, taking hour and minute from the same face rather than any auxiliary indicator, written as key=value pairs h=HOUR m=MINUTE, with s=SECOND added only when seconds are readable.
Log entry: h=12 m=8
